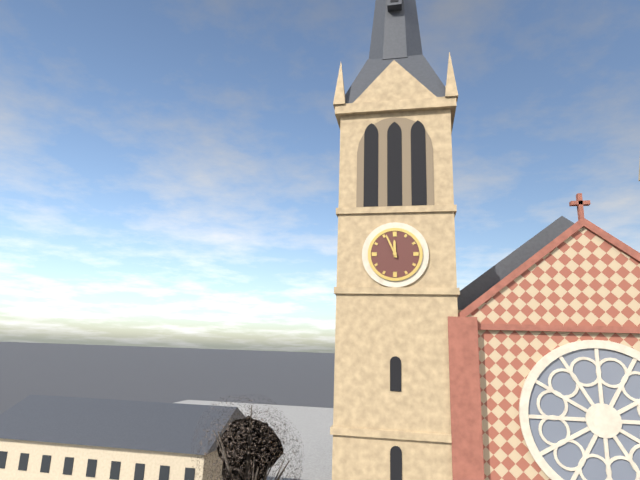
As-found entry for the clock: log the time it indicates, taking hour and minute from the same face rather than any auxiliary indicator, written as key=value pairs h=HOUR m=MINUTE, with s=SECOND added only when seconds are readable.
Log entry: h=11 m=56
